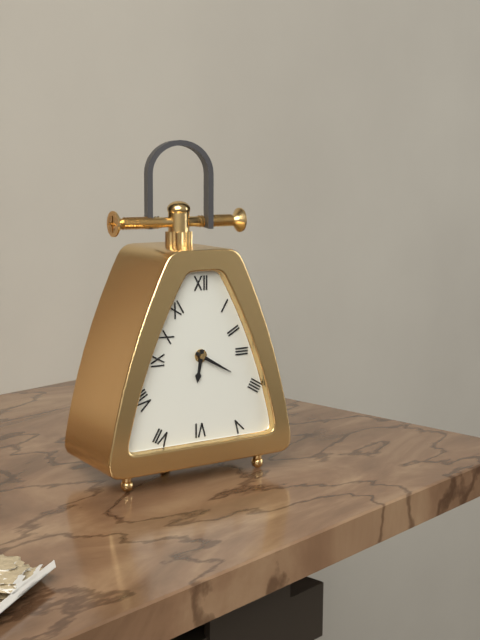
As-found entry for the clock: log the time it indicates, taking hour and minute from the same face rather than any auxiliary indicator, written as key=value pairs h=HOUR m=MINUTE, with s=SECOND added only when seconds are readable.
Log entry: h=6 m=20
